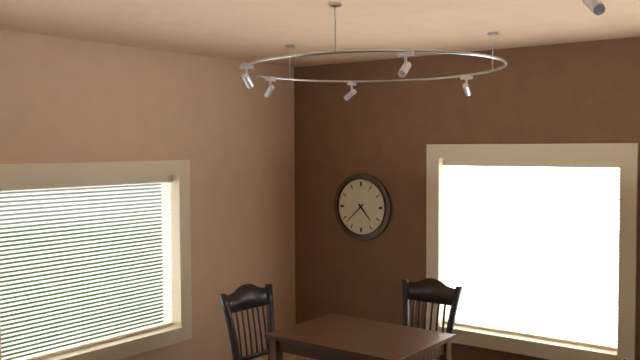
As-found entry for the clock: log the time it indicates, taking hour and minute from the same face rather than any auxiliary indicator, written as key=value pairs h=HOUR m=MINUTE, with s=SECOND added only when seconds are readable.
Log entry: h=4 m=38
